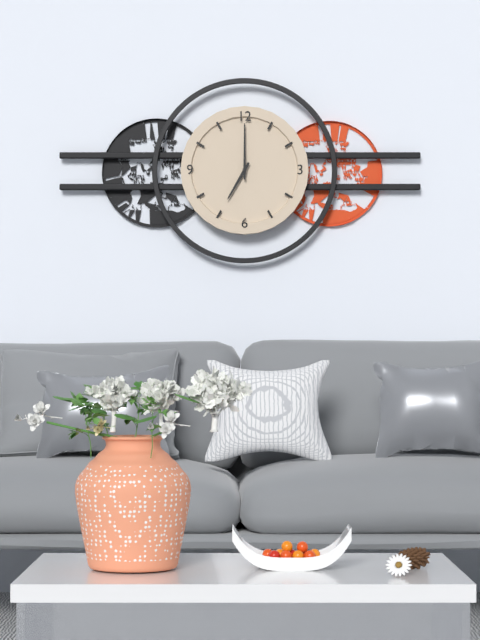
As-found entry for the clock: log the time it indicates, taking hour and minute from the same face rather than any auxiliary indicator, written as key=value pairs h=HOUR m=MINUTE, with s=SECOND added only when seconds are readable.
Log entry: h=7 m=0
